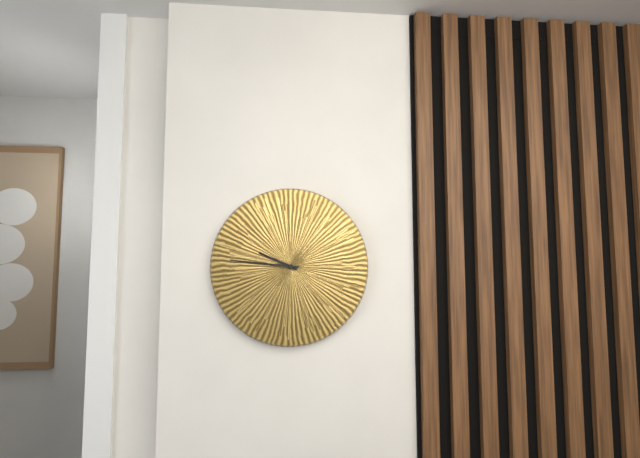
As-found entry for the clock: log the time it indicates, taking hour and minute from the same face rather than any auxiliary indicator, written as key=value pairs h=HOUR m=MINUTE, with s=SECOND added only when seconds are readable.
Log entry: h=9 m=46
